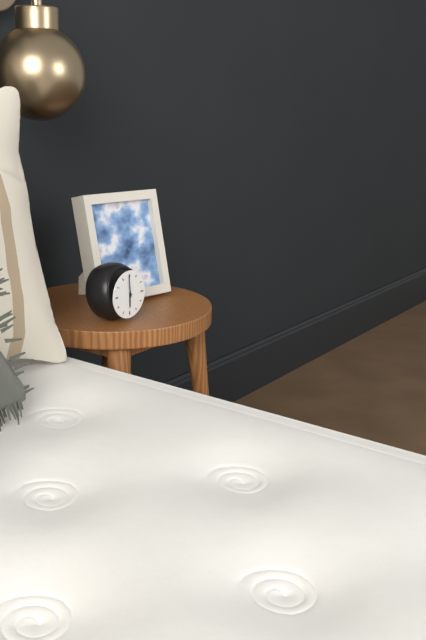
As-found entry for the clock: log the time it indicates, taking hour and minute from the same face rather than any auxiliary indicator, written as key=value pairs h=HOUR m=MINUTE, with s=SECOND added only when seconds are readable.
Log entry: h=5 m=59
